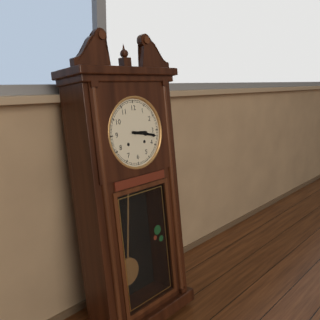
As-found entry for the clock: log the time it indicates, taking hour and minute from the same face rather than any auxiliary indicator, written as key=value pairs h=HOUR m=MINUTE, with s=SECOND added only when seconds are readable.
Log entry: h=3 m=17
